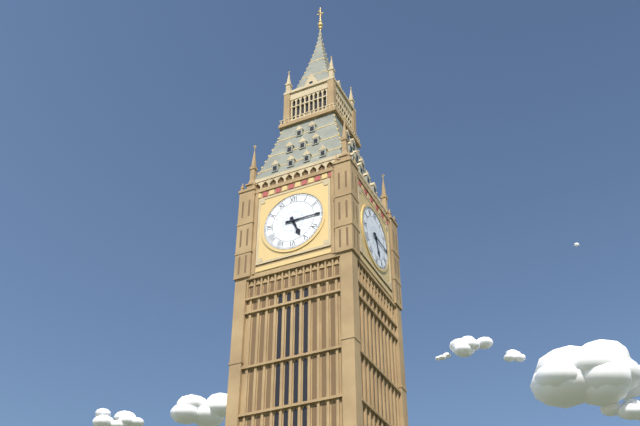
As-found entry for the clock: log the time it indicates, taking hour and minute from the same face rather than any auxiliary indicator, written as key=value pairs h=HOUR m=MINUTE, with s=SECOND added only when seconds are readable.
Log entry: h=5 m=15
